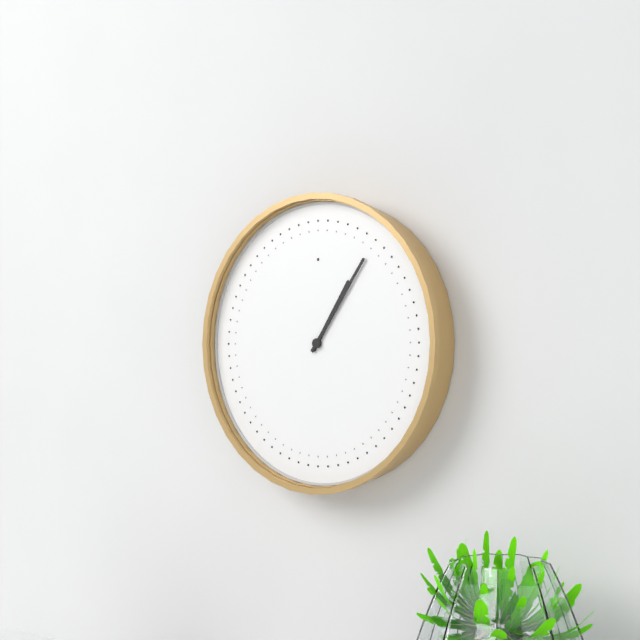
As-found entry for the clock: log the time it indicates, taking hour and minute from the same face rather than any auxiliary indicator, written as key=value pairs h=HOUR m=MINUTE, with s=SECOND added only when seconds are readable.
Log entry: h=1 m=6
